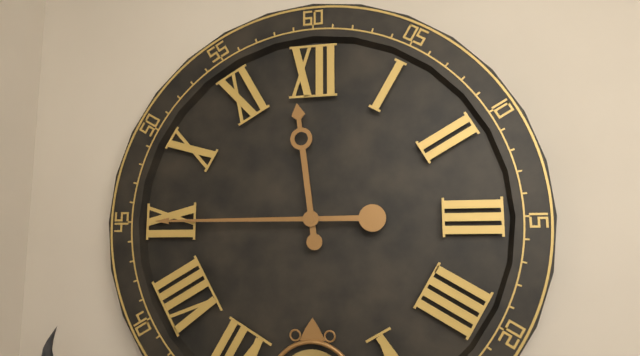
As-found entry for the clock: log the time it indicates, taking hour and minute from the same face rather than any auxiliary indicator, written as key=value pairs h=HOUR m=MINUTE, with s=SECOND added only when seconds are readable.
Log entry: h=11 m=45
